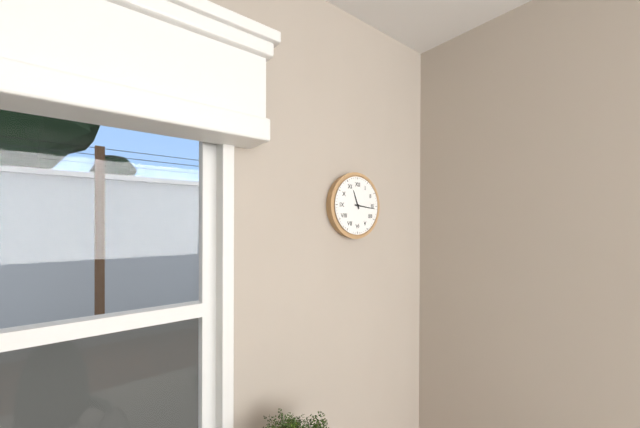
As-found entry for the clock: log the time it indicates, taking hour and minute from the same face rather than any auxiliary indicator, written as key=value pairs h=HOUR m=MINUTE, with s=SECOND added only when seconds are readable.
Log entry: h=11 m=16
